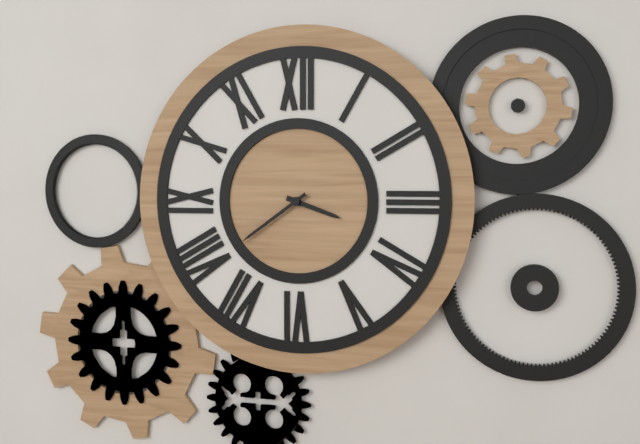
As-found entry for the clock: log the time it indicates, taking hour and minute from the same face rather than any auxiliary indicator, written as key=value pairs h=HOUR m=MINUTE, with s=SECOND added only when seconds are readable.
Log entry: h=3 m=39
